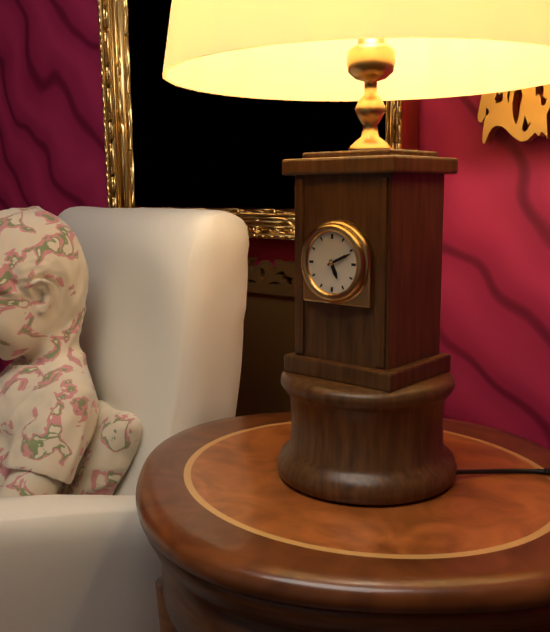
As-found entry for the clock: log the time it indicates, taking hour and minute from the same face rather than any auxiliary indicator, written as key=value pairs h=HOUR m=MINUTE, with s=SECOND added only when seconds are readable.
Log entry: h=5 m=11
